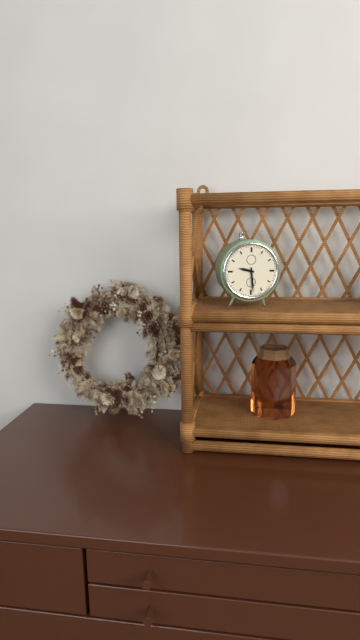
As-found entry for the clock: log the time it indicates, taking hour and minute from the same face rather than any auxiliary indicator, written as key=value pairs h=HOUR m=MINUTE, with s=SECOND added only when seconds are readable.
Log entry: h=9 m=29
